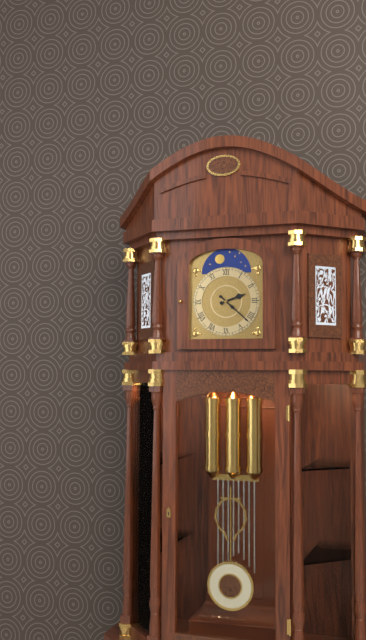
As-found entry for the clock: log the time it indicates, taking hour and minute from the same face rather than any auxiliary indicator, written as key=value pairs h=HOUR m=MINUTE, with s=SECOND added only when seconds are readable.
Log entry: h=2 m=22
